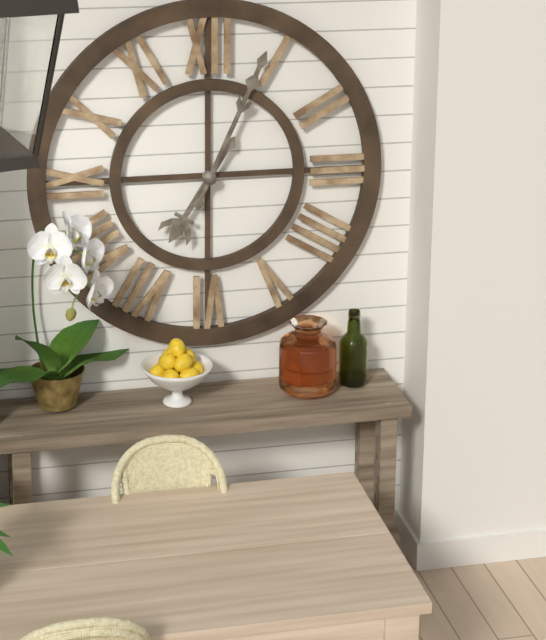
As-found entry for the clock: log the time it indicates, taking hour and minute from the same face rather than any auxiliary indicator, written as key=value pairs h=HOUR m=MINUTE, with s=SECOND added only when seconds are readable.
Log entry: h=7 m=4
